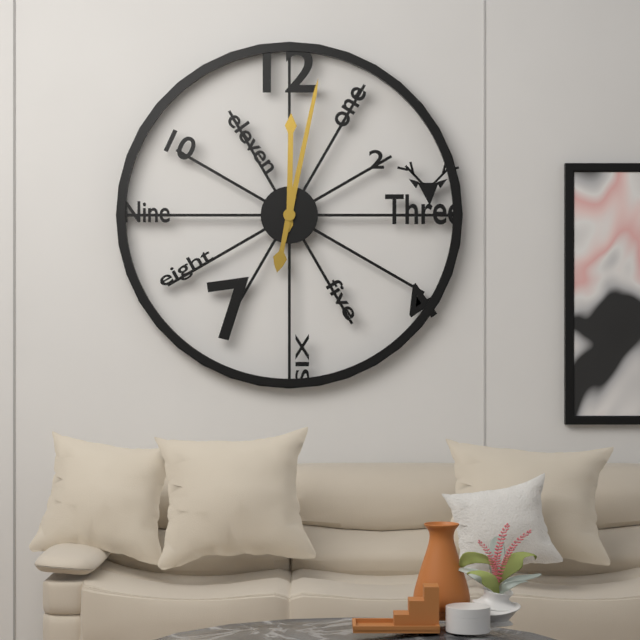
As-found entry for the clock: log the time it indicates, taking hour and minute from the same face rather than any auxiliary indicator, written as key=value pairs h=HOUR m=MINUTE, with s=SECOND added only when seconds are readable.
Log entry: h=12 m=2
